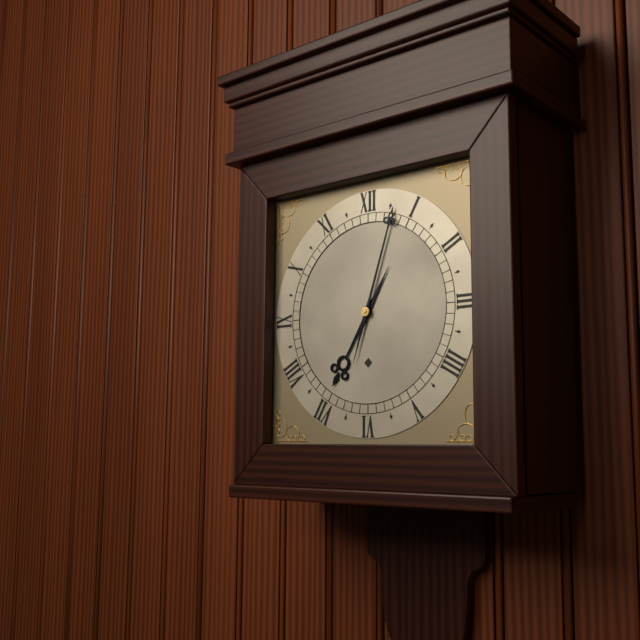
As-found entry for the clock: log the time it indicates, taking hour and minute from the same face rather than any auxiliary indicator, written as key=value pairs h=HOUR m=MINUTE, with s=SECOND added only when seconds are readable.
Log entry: h=7 m=3
